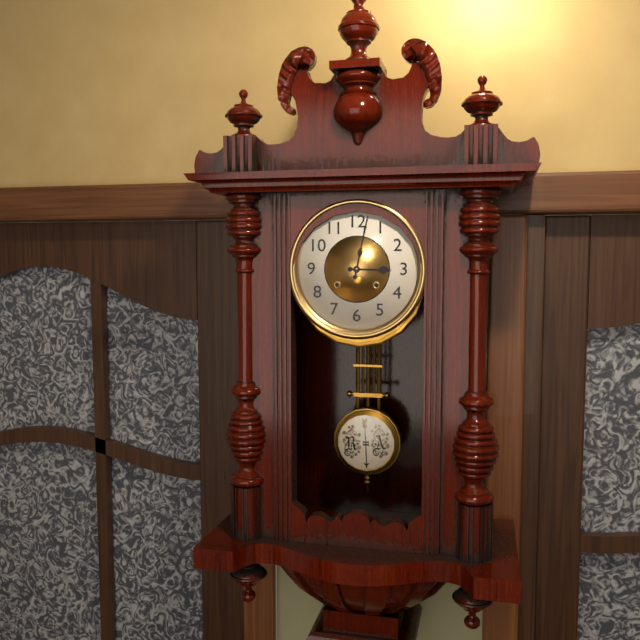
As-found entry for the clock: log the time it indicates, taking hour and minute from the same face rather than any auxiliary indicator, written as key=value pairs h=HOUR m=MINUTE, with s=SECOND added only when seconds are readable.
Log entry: h=3 m=2
